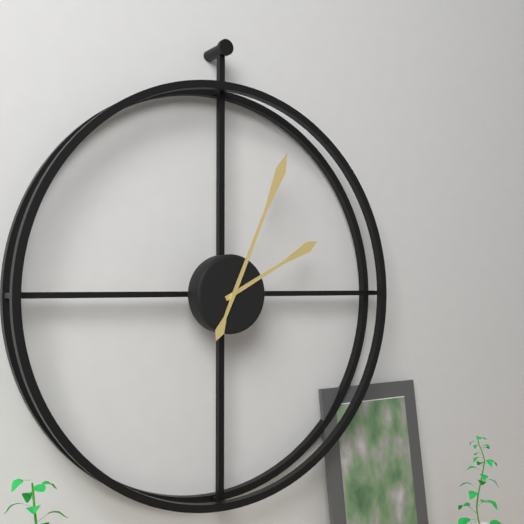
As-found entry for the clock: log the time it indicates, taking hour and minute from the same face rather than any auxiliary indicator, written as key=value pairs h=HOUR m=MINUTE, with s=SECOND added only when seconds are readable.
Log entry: h=2 m=4
